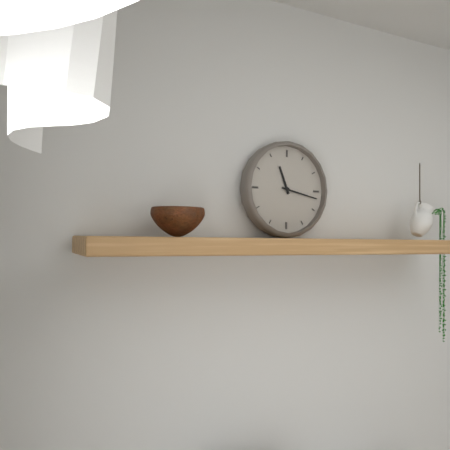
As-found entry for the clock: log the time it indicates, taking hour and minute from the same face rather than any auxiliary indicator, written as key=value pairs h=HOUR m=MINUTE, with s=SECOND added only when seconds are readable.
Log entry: h=11 m=17
